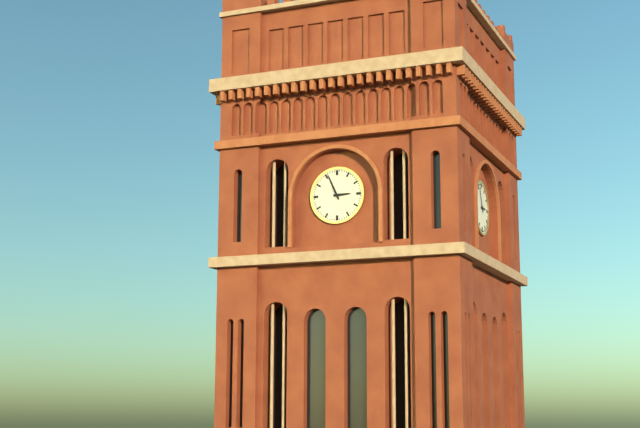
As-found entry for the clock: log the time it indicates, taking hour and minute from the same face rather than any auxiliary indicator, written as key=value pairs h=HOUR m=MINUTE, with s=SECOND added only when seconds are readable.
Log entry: h=2 m=56
